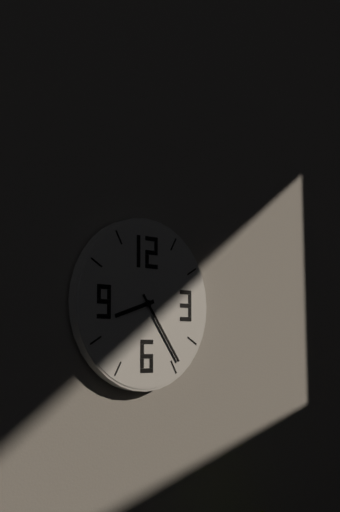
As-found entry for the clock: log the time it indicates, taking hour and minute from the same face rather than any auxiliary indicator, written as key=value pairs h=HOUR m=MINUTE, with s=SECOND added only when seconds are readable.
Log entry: h=8 m=24
